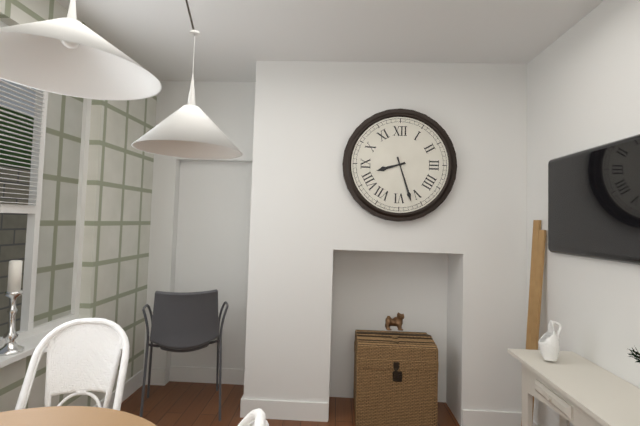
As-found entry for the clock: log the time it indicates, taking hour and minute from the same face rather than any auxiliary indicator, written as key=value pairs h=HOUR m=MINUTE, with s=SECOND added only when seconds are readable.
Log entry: h=8 m=27
